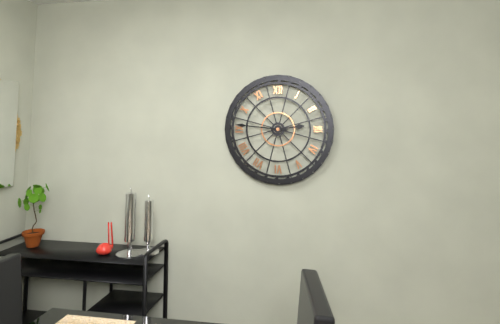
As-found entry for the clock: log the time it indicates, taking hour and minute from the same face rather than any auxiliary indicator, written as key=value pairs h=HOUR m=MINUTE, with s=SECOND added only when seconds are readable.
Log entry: h=2 m=46
